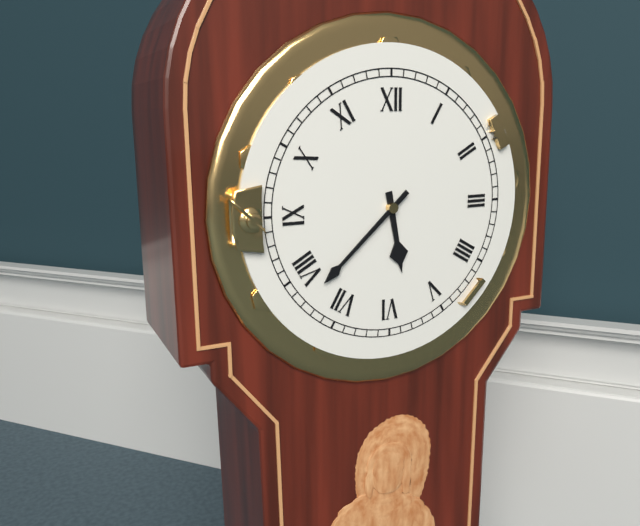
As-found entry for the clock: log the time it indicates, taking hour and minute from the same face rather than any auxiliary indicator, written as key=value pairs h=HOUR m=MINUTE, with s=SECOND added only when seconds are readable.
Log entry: h=5 m=38
